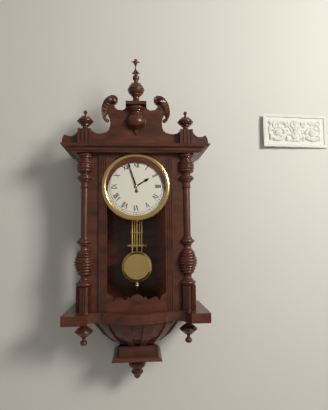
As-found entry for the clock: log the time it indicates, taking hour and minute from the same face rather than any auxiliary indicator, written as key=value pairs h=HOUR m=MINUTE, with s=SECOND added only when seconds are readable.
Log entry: h=1 m=57
